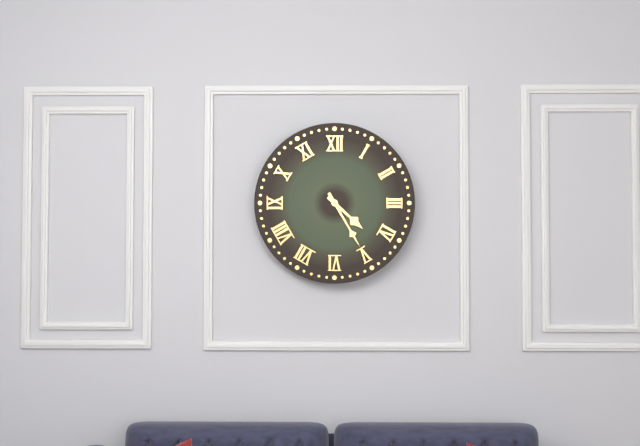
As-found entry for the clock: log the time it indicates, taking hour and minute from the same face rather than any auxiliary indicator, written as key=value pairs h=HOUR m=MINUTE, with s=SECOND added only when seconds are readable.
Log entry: h=4 m=25
